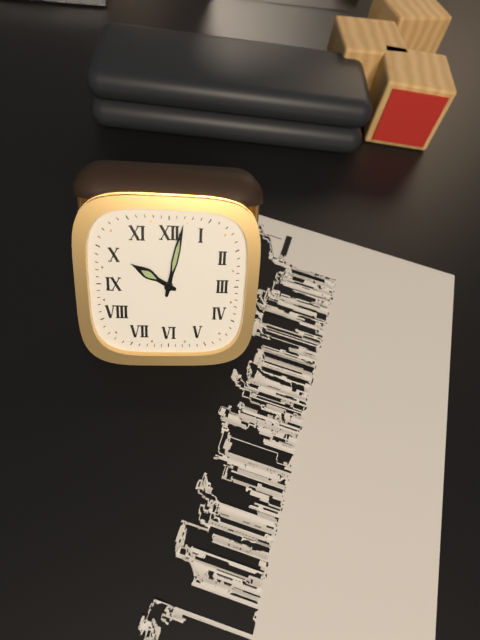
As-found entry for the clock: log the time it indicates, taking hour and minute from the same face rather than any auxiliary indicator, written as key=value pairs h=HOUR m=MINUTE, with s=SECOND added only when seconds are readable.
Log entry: h=10 m=2
